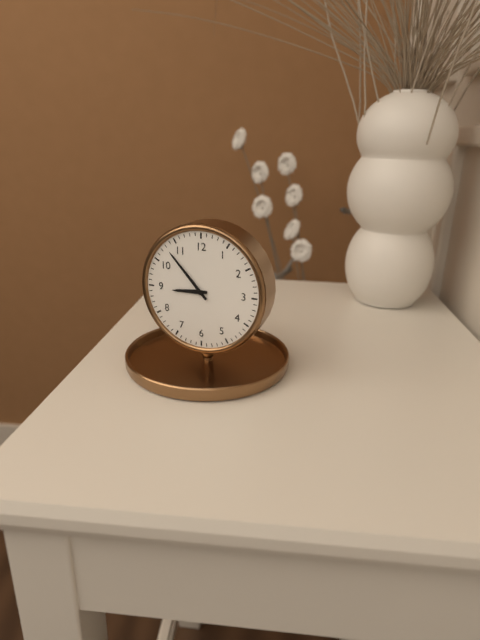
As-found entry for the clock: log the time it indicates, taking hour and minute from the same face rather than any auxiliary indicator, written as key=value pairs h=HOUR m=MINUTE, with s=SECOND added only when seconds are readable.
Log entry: h=8 m=53
